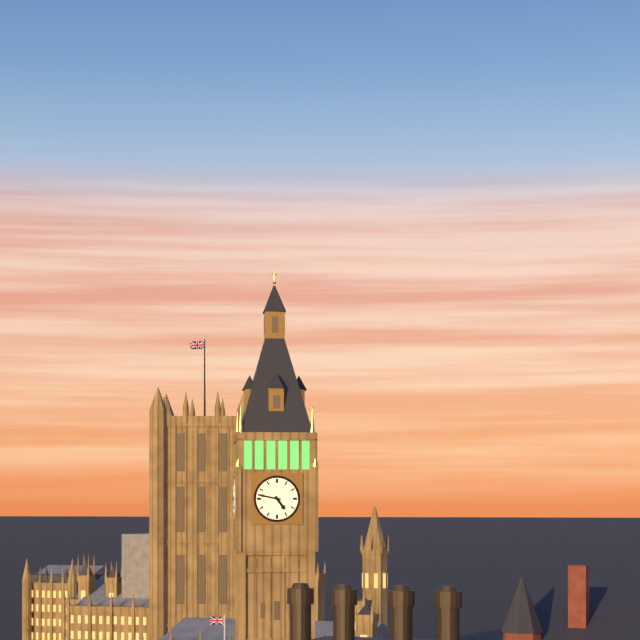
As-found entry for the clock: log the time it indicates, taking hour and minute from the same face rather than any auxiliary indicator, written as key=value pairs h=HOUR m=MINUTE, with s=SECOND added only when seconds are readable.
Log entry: h=4 m=47
